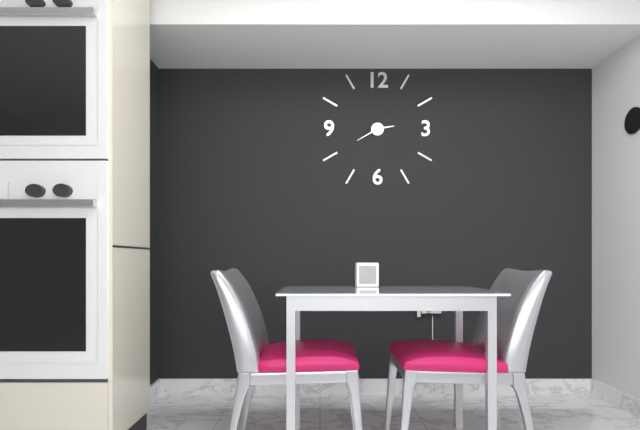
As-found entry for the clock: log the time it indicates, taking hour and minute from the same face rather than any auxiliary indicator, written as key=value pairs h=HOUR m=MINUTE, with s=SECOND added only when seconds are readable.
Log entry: h=2 m=40
